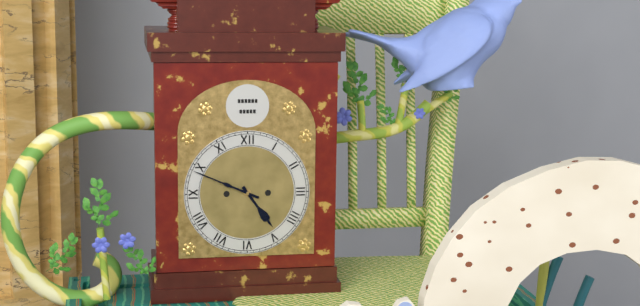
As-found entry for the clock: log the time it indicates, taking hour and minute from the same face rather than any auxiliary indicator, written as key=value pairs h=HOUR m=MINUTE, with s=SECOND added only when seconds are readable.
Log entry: h=4 m=49
